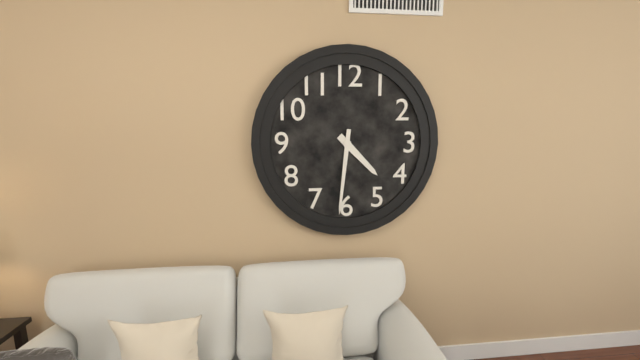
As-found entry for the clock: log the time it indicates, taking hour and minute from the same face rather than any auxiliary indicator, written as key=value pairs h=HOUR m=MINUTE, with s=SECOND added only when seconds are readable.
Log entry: h=4 m=31
